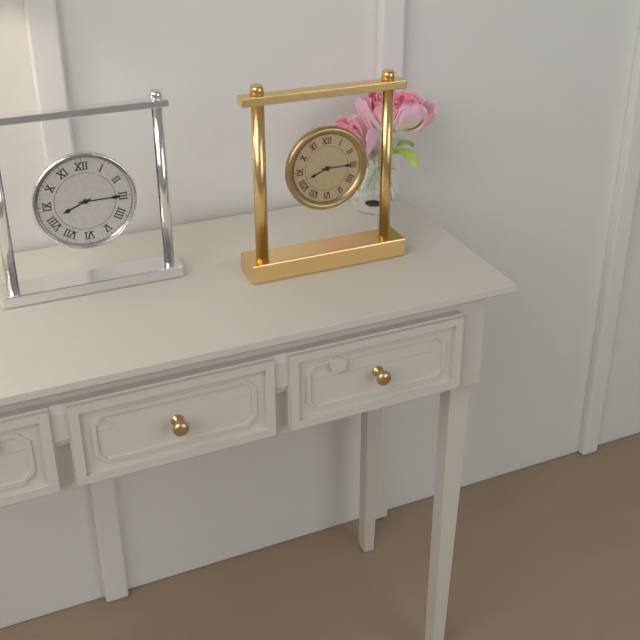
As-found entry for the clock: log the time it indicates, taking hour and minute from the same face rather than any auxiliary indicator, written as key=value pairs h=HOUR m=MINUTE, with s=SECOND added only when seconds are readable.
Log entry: h=8 m=15
